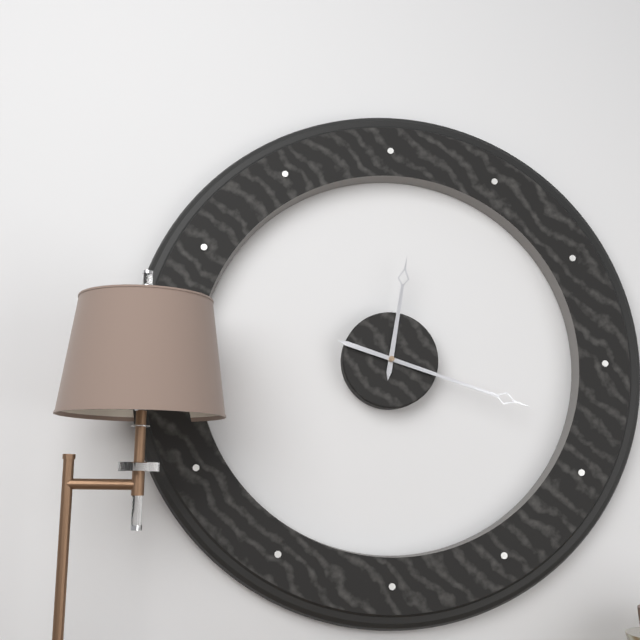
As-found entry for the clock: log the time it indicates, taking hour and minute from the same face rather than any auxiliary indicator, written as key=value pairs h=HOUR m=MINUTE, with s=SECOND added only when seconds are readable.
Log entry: h=12 m=18
